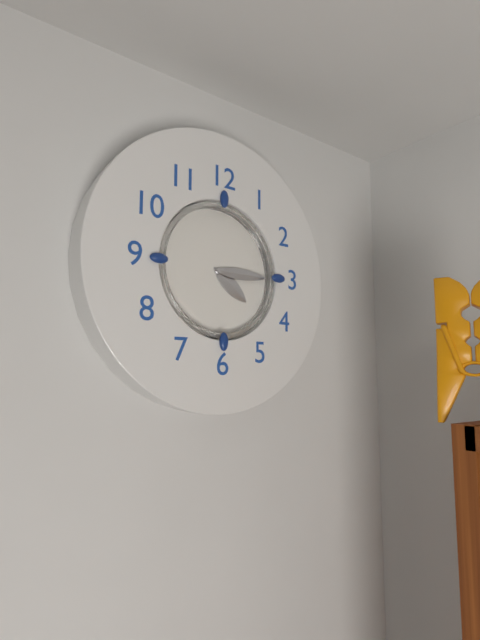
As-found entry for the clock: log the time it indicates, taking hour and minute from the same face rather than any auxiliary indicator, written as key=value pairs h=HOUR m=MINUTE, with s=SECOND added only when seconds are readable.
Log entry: h=4 m=15
